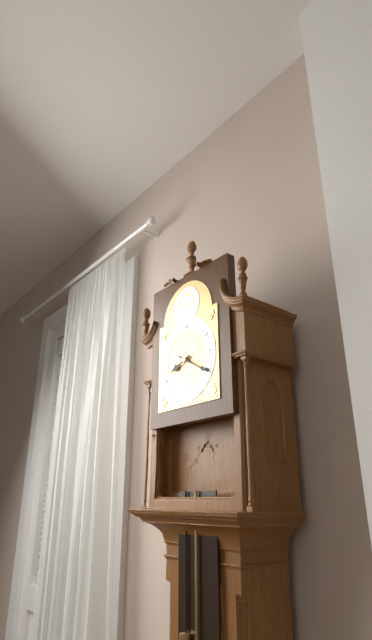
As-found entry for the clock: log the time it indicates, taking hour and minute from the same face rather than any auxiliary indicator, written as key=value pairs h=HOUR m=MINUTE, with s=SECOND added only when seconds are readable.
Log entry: h=8 m=20
